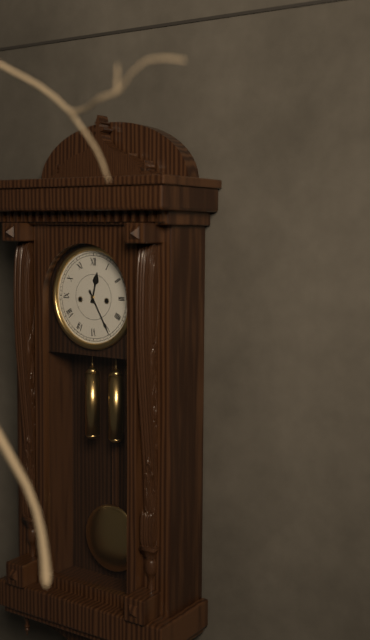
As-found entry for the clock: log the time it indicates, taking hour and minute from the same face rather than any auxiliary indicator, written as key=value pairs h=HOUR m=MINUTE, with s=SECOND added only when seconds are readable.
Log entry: h=12 m=25
